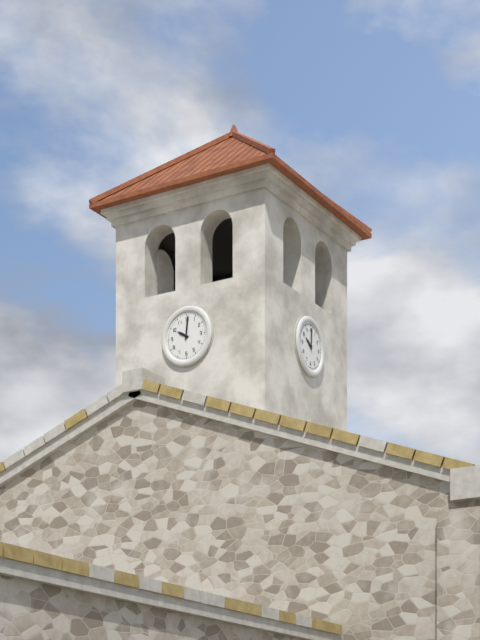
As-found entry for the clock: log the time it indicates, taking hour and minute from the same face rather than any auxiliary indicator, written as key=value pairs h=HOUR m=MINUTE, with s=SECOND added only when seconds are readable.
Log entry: h=10 m=1
